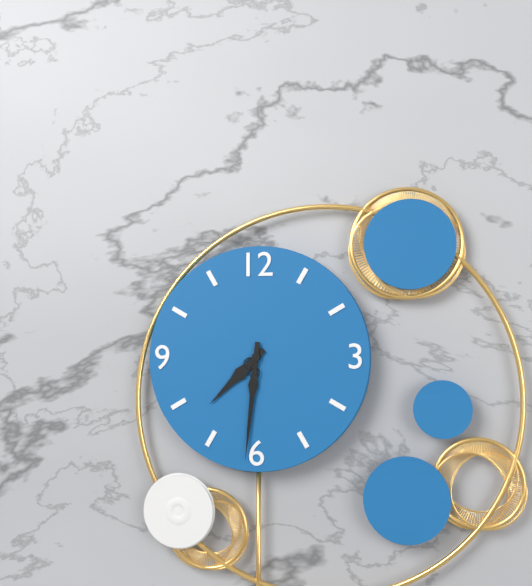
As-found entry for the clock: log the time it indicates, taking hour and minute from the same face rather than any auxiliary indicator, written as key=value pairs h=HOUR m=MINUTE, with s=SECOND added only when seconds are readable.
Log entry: h=7 m=31
